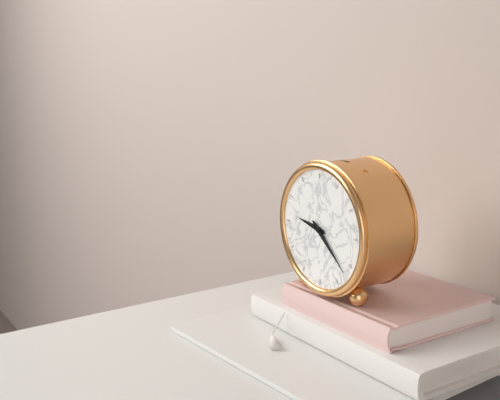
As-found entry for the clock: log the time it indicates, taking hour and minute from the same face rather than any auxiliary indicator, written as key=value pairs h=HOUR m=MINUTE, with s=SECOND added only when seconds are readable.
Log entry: h=9 m=22
